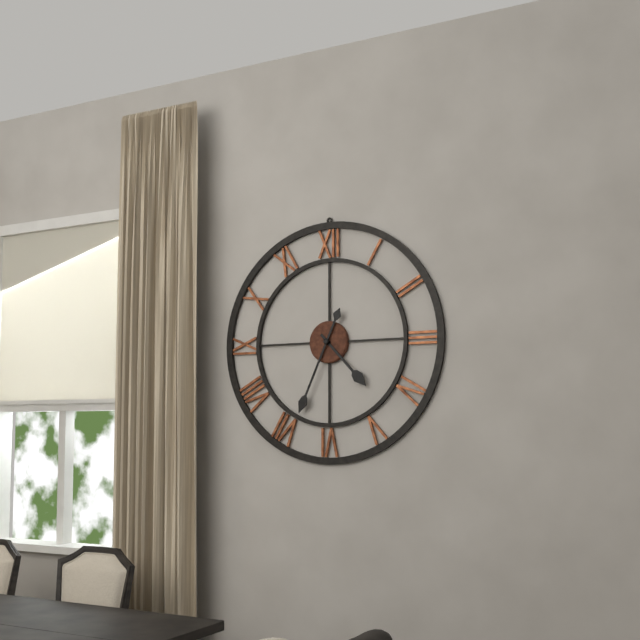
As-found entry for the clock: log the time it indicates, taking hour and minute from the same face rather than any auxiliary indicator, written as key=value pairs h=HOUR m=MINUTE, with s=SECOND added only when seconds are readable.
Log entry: h=4 m=34
